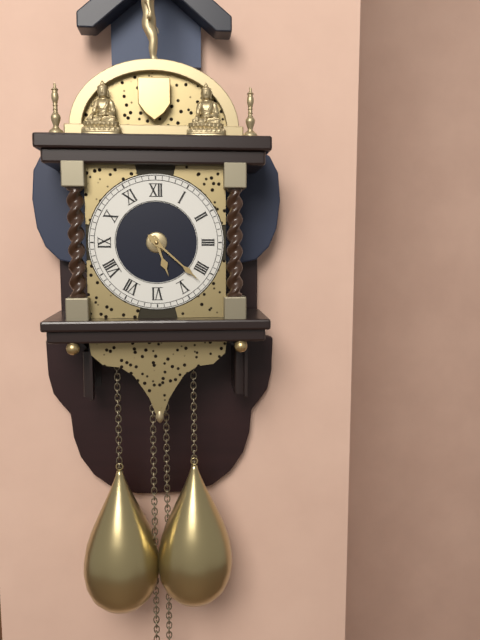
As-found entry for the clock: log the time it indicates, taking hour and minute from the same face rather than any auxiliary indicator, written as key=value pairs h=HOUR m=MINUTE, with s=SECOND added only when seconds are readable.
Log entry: h=5 m=22
